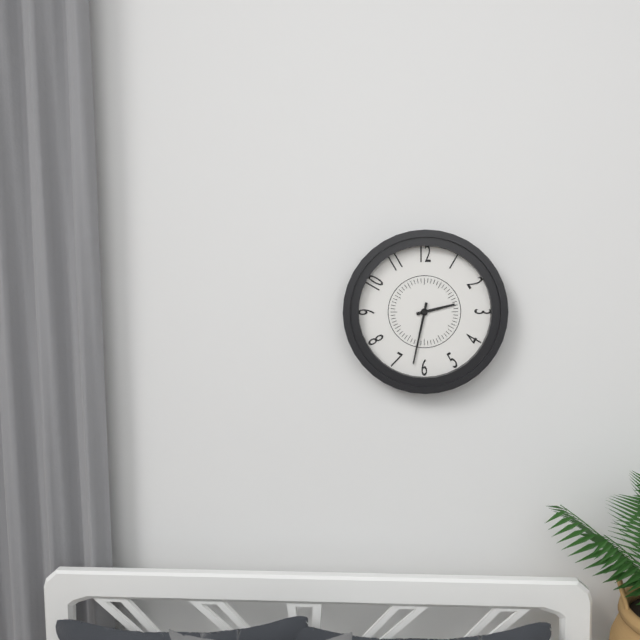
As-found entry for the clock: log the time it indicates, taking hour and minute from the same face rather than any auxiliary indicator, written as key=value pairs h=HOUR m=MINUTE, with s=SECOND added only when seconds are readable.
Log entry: h=2 m=32
